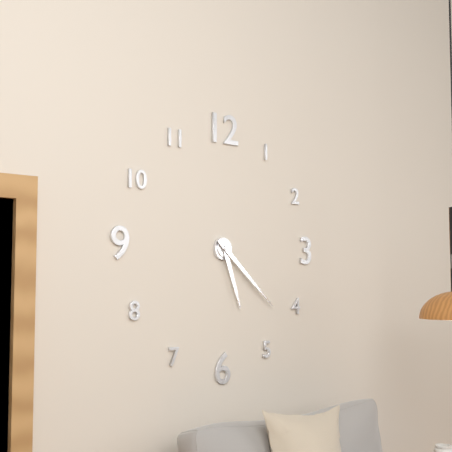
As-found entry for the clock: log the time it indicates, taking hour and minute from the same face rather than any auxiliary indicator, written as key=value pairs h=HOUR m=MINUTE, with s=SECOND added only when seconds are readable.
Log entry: h=5 m=22
